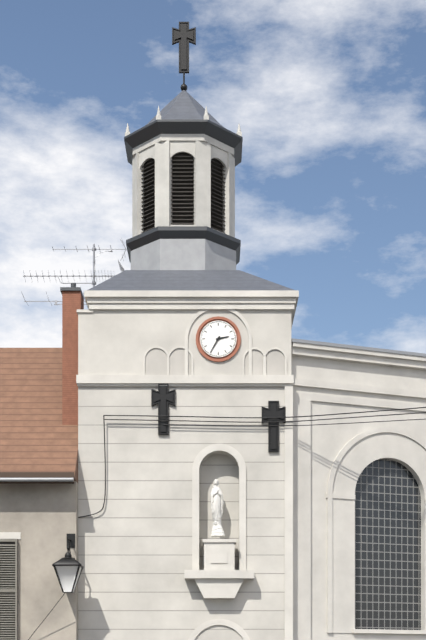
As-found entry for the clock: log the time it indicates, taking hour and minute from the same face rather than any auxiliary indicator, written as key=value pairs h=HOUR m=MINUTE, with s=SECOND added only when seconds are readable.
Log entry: h=2 m=35
